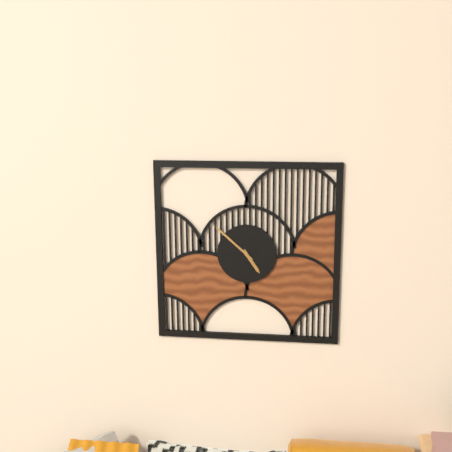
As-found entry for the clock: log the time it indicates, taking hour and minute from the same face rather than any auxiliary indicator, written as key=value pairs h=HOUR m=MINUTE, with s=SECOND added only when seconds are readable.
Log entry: h=4 m=52
